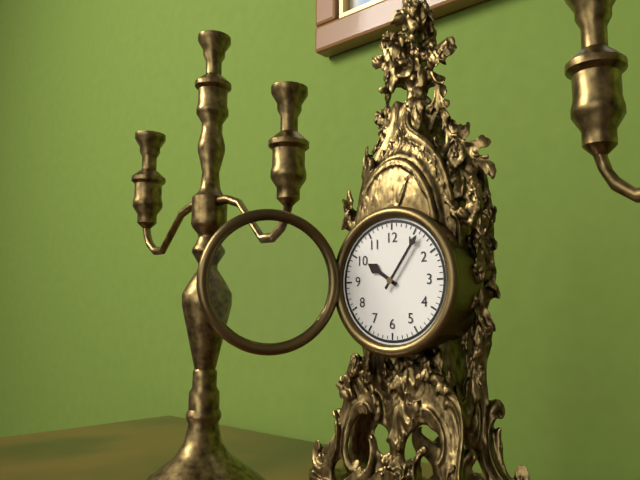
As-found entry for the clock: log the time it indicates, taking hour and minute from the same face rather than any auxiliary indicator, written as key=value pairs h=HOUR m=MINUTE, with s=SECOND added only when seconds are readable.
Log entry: h=10 m=6
